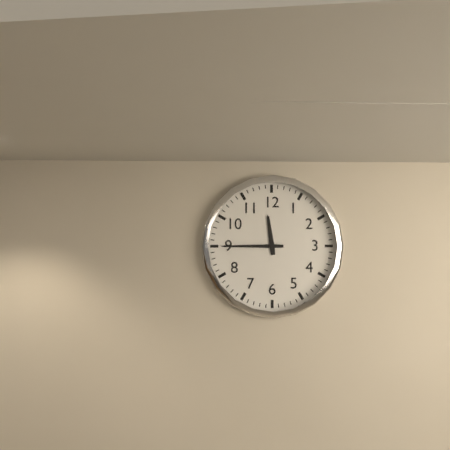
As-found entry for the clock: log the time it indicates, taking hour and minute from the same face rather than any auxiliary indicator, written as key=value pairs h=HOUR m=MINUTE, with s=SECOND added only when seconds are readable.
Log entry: h=11 m=45
